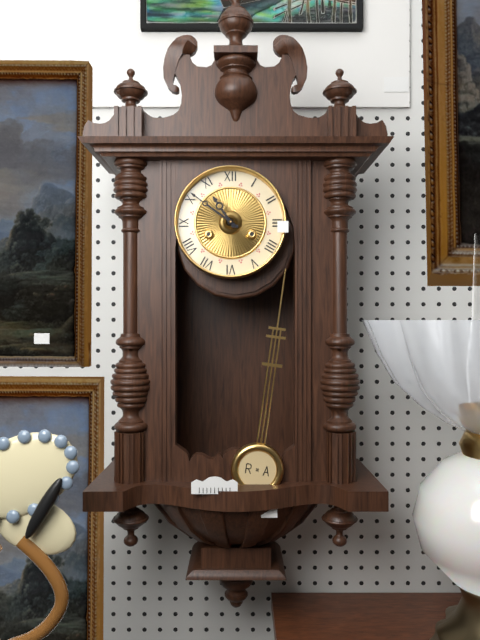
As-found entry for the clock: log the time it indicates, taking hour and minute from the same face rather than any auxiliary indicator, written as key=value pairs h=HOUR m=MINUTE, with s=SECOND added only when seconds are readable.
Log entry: h=10 m=51
